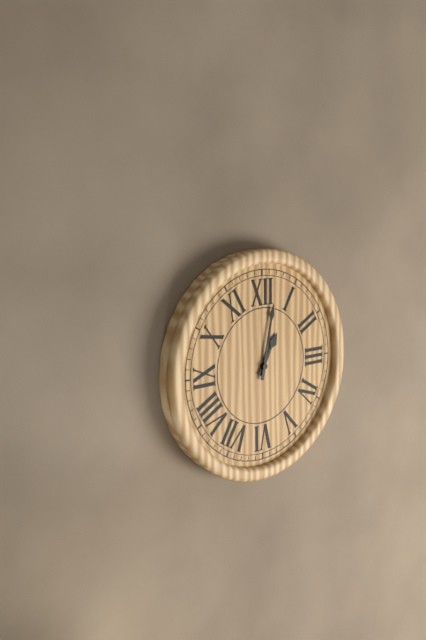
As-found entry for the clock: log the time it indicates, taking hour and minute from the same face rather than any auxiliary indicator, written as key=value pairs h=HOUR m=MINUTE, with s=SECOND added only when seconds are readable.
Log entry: h=1 m=2
